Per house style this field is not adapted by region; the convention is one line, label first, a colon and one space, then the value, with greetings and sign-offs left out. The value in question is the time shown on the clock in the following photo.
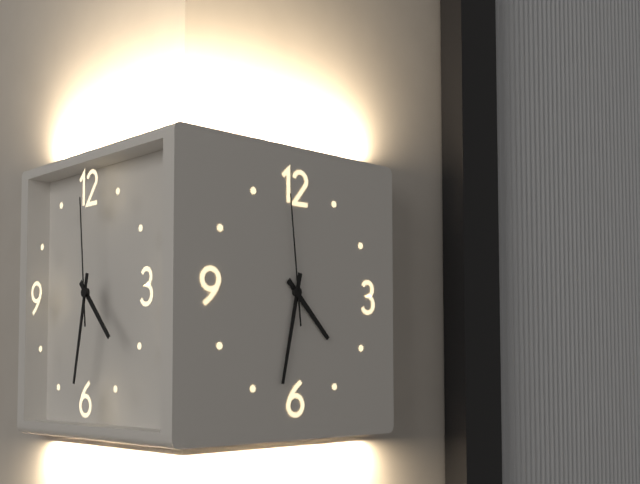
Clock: 4:32:59
